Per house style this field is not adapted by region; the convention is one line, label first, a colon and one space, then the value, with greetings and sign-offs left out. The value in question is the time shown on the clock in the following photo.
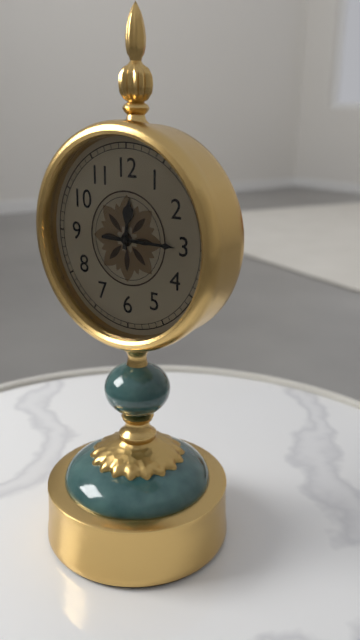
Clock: 12:15
